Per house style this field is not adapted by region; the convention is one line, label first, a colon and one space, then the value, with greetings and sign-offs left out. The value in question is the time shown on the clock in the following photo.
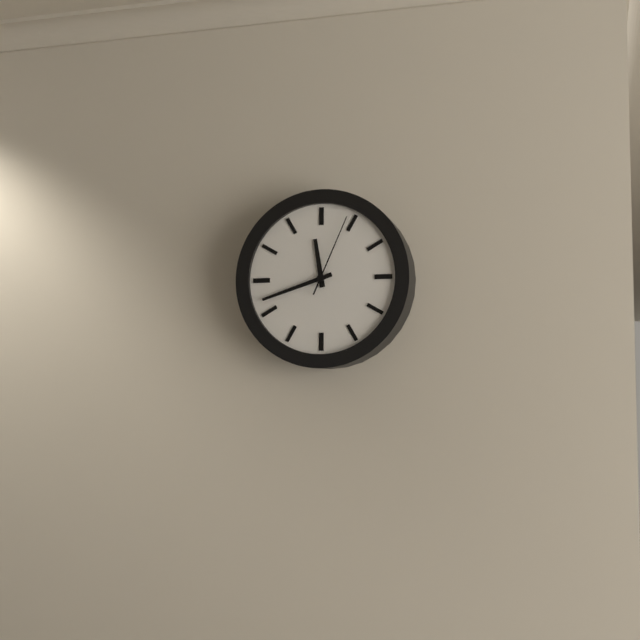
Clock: 11:42:04
